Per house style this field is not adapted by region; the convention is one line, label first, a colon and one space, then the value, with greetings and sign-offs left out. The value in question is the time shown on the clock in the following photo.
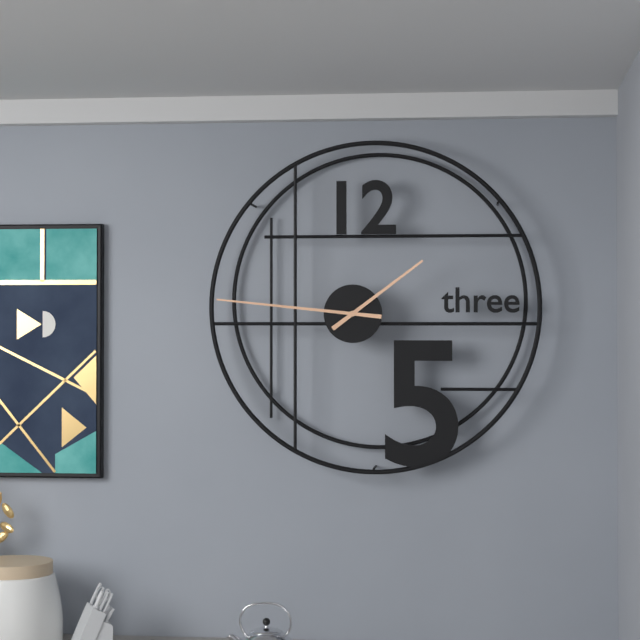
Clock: 1:46
